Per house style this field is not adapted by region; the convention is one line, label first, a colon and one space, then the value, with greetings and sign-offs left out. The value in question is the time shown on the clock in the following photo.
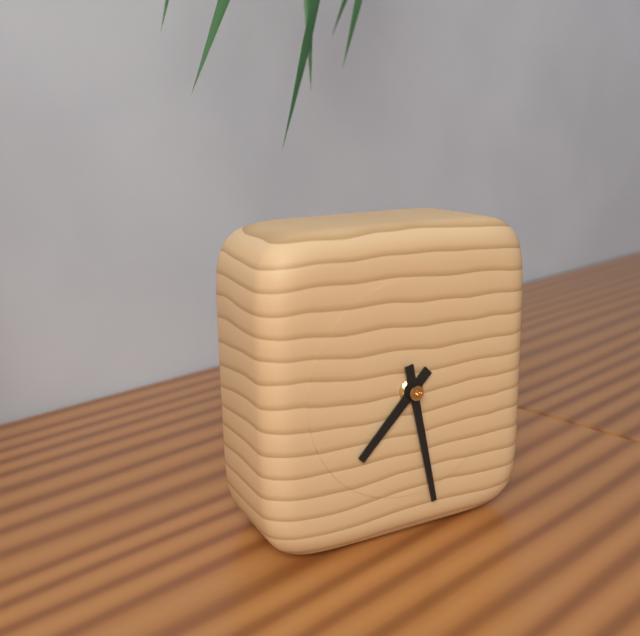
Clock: 7:28
